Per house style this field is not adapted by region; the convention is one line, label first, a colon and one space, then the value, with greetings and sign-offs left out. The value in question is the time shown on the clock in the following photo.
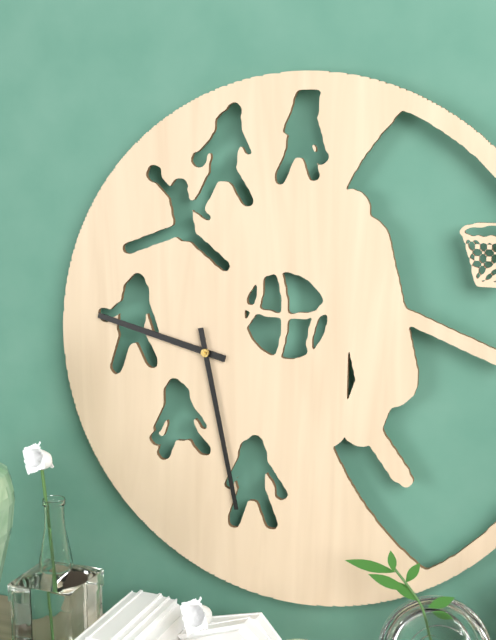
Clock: 9:28
